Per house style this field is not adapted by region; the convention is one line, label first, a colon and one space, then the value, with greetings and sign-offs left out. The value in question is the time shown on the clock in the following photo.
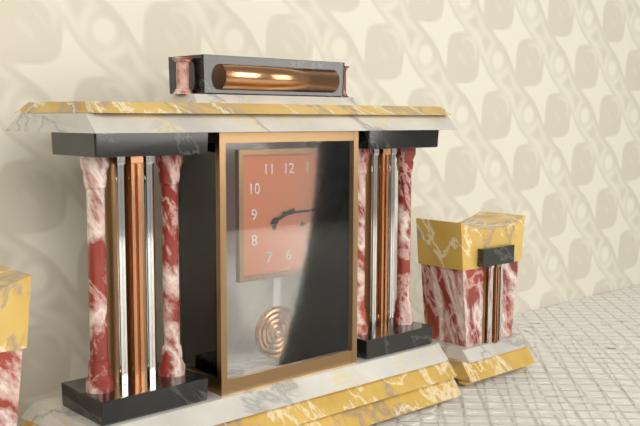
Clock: 8:15
